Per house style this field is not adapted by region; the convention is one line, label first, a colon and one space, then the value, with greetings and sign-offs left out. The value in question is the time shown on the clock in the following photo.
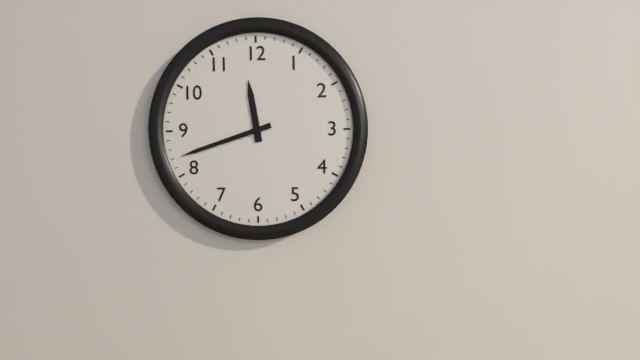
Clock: 11:42
